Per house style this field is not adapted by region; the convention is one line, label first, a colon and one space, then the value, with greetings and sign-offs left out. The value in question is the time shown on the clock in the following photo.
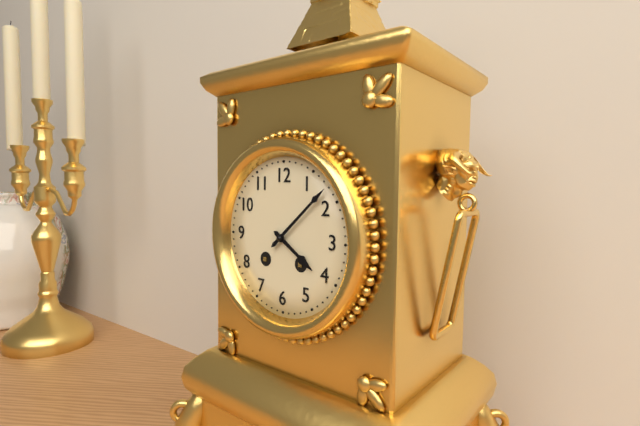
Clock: 4:08
